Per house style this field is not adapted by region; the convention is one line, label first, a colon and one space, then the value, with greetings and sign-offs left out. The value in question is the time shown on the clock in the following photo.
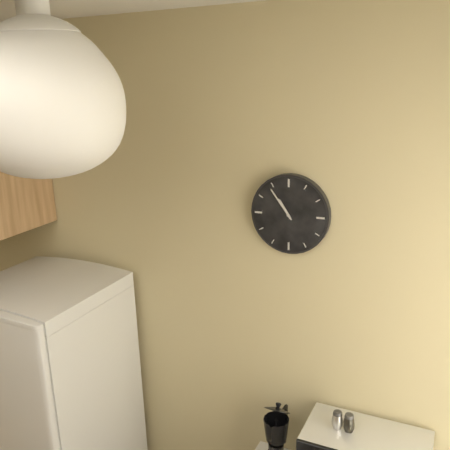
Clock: 10:54
